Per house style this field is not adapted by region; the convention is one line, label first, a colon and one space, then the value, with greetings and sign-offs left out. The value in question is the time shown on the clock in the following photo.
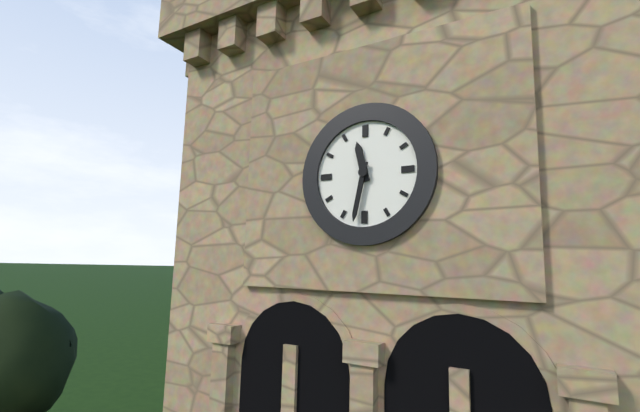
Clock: 11:32
